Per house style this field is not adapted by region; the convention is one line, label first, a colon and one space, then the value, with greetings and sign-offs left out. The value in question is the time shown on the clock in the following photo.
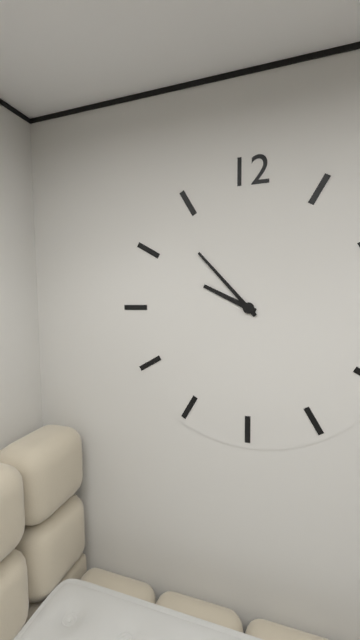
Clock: 9:53
